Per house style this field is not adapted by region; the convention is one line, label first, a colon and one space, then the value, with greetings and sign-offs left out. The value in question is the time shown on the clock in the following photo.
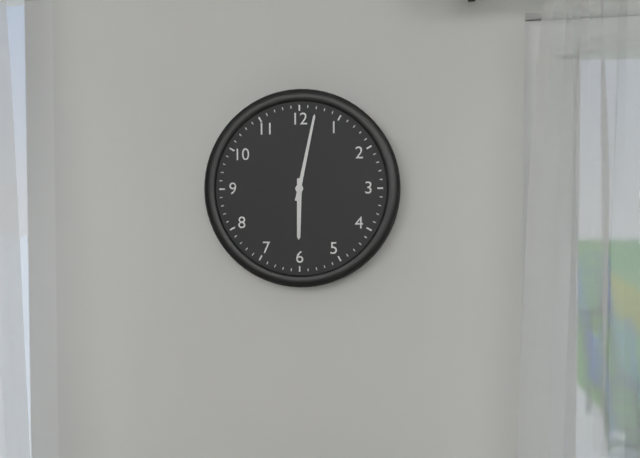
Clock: 6:02
